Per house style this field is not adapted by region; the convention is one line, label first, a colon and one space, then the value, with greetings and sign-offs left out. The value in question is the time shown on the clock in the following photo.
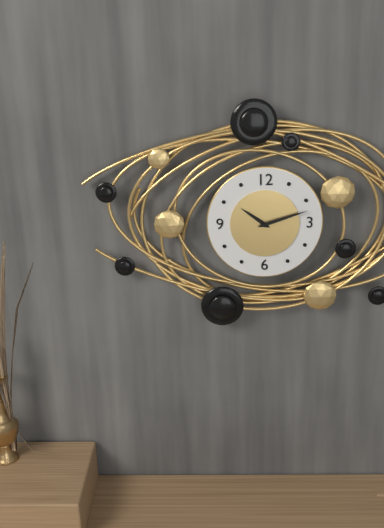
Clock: 10:12
